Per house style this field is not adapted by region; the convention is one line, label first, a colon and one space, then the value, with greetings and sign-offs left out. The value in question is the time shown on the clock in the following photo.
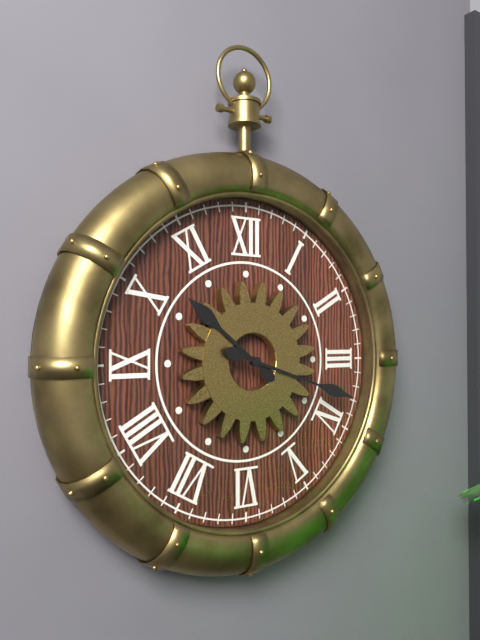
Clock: 10:18
